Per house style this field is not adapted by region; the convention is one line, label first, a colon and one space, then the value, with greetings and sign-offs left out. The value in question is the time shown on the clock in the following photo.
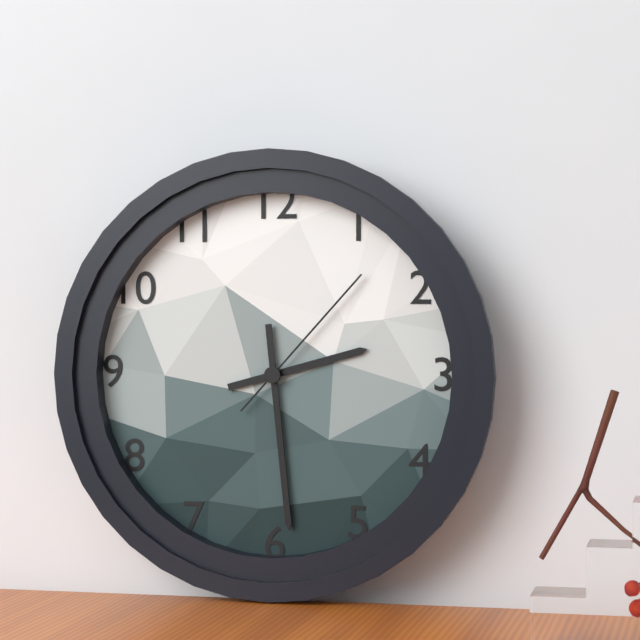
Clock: 2:29:07
